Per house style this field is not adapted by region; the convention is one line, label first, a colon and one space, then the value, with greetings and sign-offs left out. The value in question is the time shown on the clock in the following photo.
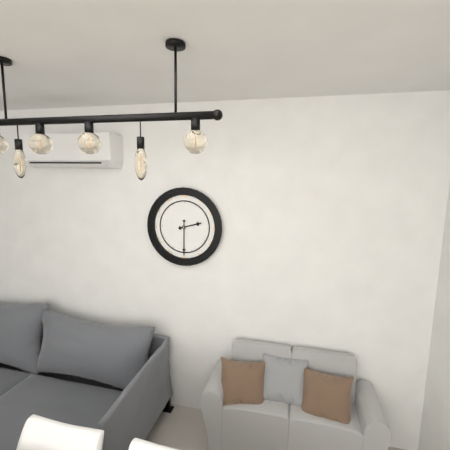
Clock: 2:30
